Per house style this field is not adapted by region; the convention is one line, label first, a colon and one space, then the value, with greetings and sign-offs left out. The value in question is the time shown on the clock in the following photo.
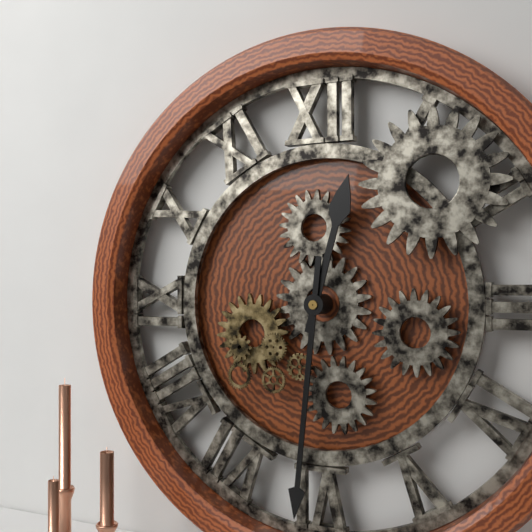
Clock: 12:31
